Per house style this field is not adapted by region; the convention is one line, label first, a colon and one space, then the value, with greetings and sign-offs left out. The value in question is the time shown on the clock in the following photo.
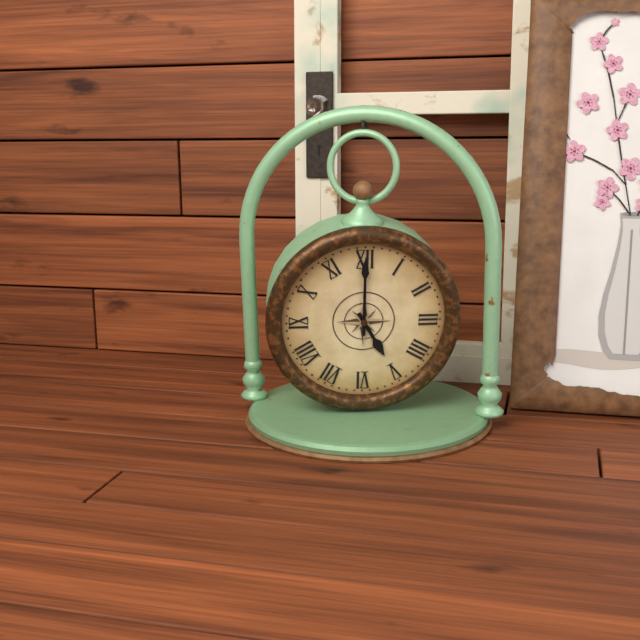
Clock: 5:00
